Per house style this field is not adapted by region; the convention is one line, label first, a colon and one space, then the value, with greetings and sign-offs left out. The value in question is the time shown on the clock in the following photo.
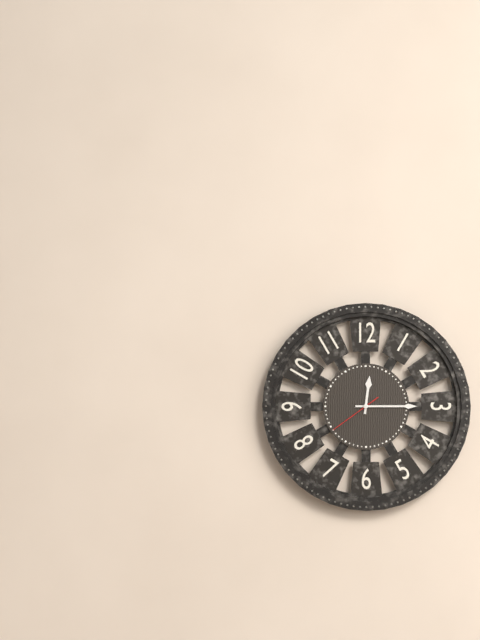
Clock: 12:15:39
